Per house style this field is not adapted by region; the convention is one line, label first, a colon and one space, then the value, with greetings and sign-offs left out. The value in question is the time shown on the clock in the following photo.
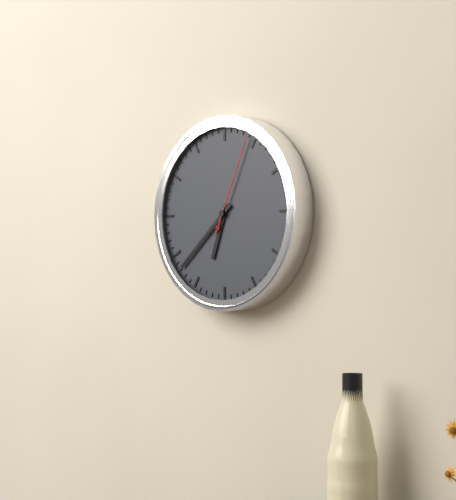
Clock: 6:38:04
